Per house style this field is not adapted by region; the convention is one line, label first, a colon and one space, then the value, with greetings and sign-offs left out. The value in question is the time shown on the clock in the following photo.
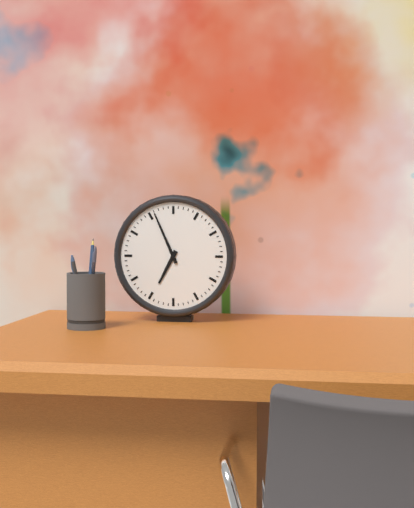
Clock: 6:56
